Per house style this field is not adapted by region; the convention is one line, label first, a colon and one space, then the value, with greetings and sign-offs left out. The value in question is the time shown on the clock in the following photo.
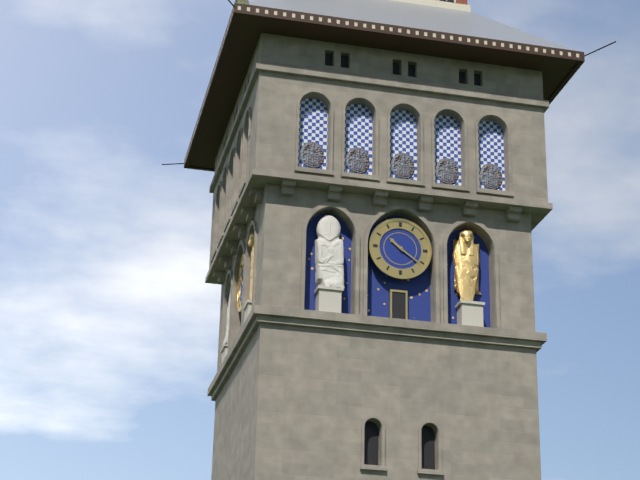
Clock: 10:21
